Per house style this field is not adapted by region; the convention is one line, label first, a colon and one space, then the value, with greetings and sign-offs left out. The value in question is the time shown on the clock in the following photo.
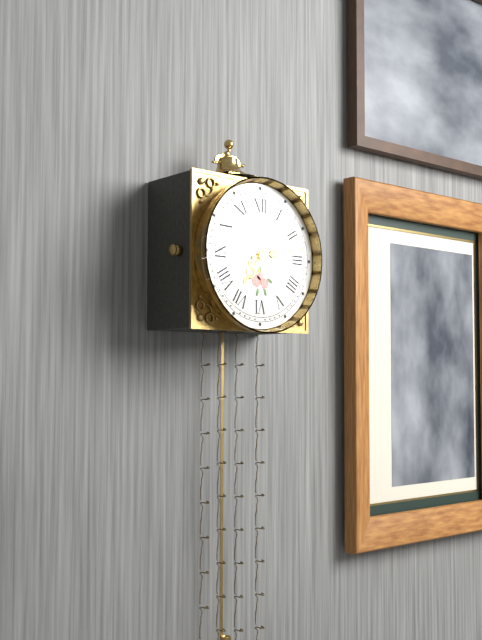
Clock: 7:13
